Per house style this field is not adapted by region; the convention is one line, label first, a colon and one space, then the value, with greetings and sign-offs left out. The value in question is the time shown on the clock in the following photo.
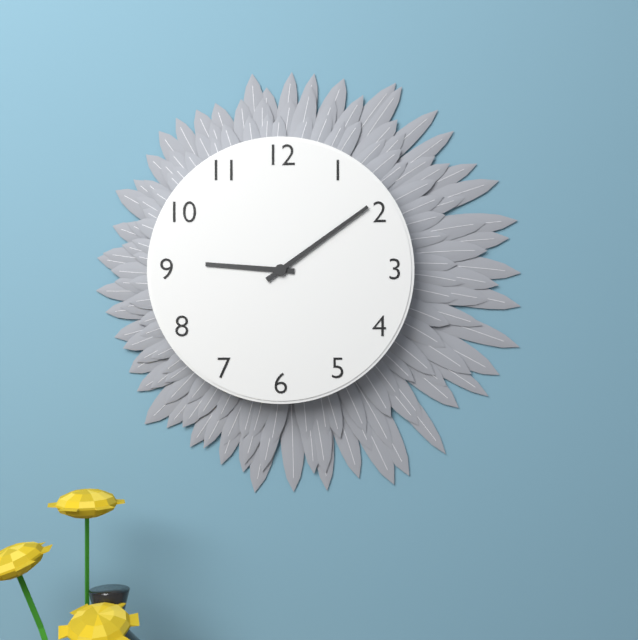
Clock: 9:09
